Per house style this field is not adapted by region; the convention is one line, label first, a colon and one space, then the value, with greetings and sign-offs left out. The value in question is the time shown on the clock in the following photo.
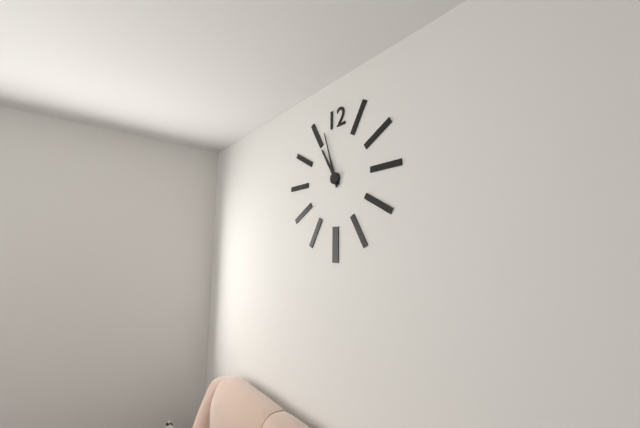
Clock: 10:57
